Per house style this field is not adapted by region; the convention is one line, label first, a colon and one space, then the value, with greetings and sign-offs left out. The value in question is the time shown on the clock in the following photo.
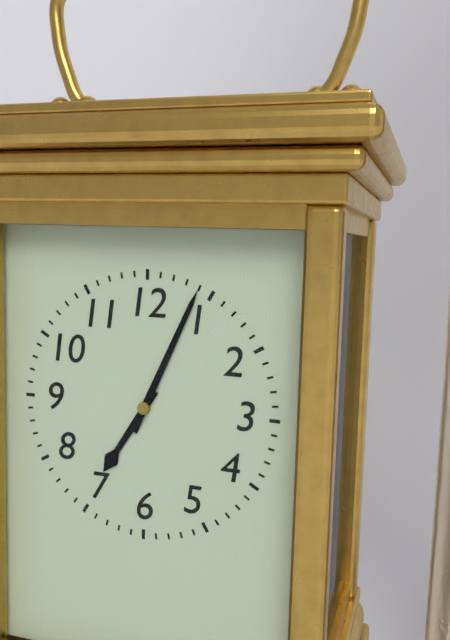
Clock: 7:04
